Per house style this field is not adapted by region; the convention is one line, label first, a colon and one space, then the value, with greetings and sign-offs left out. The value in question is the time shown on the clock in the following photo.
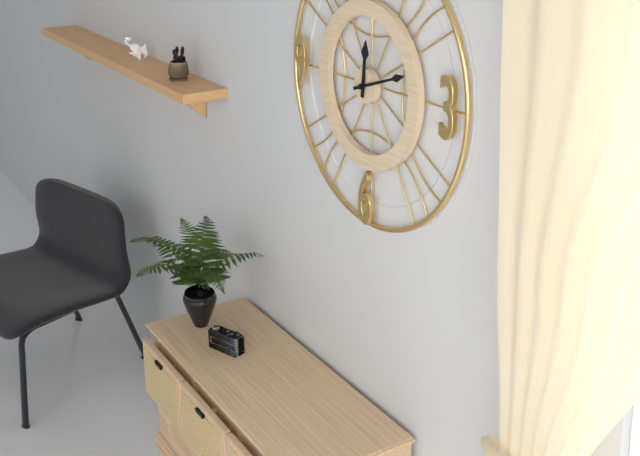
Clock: 12:12
